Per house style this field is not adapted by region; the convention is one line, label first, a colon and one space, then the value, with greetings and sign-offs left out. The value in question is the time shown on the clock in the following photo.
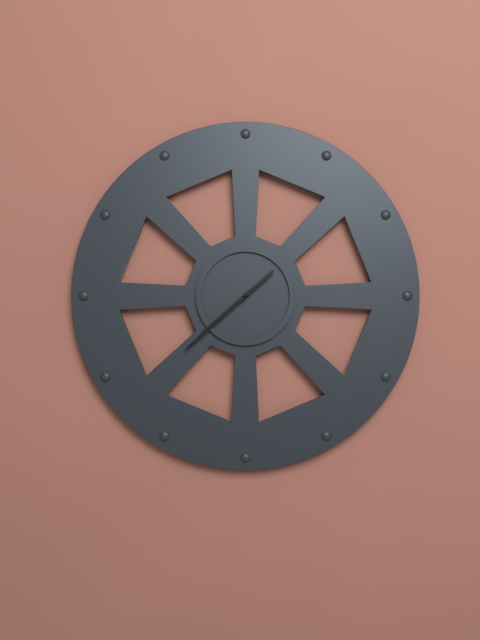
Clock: 7:38
